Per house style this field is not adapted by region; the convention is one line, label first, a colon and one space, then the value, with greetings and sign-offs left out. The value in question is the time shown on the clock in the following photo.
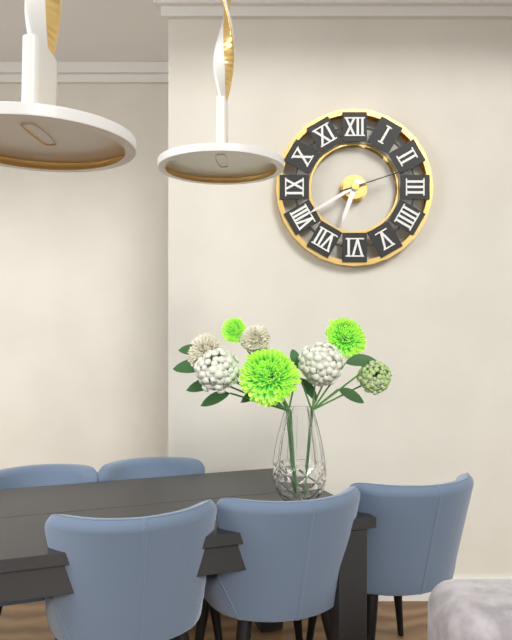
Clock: 6:40:12
